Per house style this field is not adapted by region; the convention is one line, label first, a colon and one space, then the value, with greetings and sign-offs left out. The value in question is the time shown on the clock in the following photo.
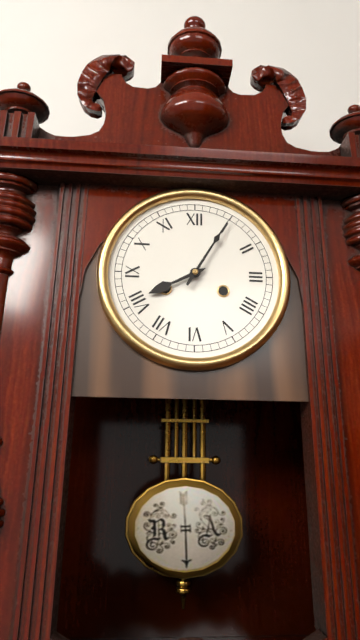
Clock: 8:05
